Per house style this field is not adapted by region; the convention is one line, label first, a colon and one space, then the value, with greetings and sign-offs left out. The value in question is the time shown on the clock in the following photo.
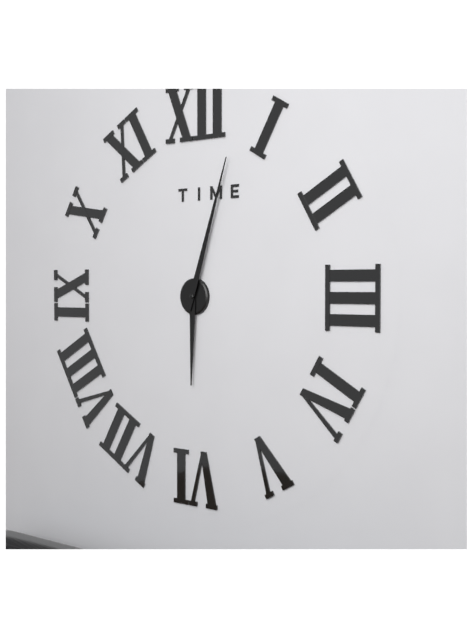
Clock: 6:03
